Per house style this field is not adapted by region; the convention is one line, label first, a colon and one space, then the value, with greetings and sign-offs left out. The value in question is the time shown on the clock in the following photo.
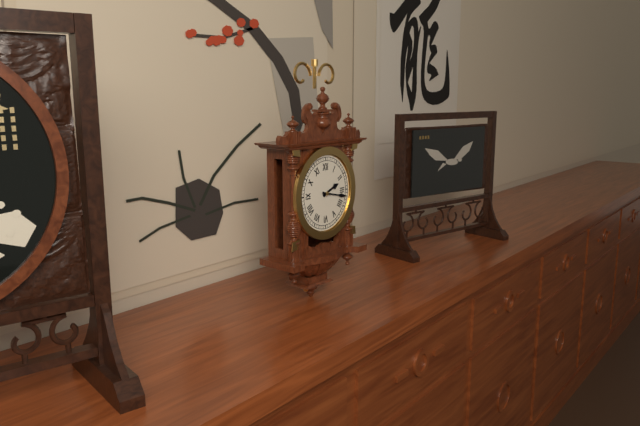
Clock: 2:17
